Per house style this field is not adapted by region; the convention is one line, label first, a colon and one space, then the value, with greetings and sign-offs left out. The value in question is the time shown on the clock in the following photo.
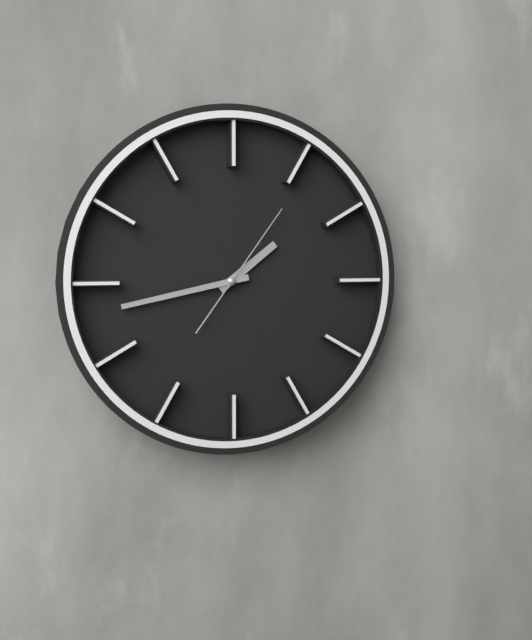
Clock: 1:43:06
